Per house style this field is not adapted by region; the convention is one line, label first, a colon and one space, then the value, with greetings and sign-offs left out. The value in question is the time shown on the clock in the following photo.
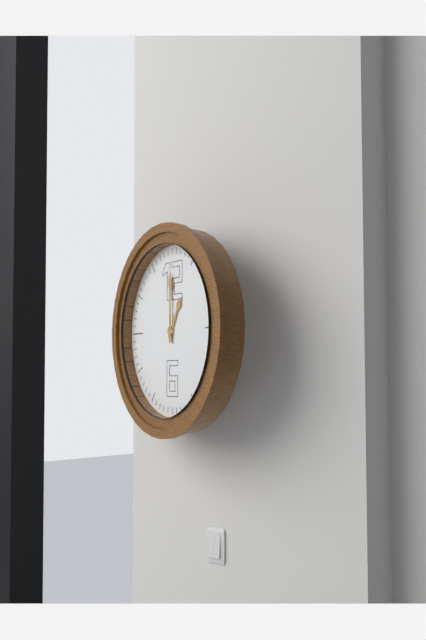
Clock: 1:00
